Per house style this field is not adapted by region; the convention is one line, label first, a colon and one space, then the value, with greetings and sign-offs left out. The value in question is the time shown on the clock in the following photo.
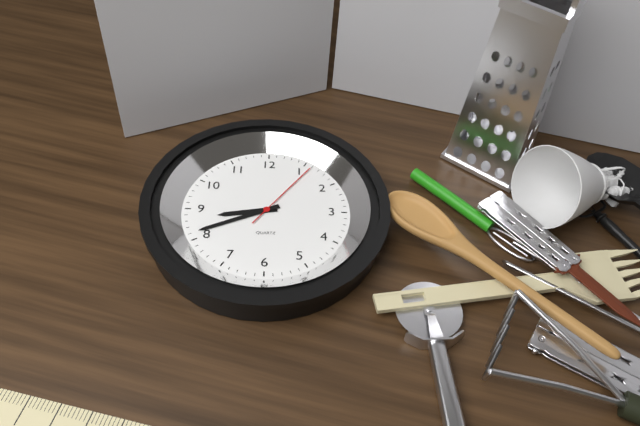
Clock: 8:41:06
